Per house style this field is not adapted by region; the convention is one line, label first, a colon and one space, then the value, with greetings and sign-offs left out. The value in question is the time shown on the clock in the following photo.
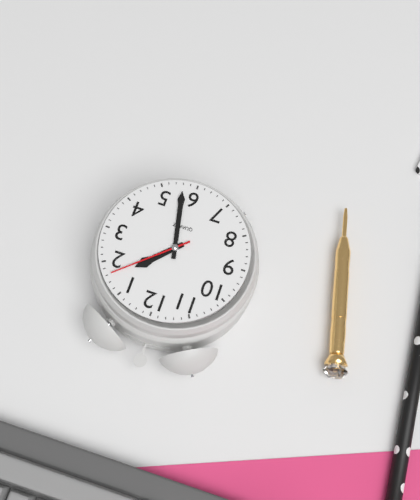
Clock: 1:28:08
